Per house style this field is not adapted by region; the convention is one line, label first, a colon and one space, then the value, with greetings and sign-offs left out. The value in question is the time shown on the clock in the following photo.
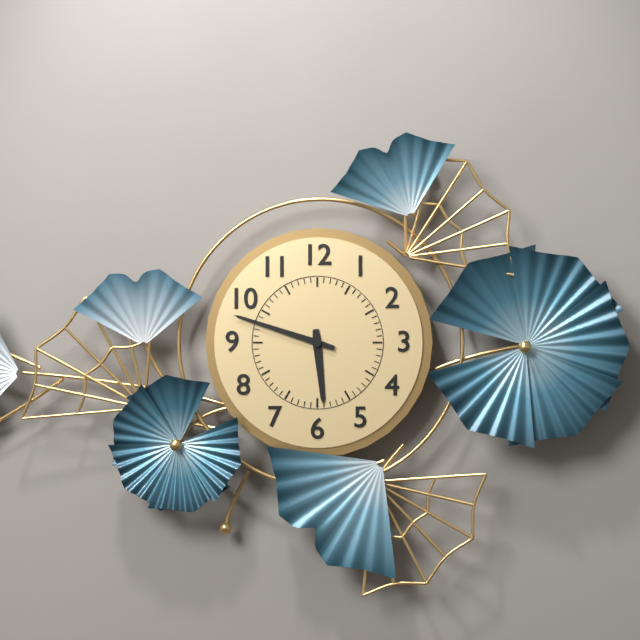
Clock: 5:48
